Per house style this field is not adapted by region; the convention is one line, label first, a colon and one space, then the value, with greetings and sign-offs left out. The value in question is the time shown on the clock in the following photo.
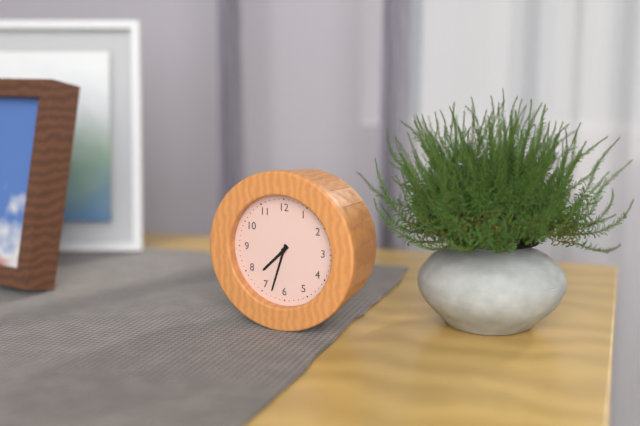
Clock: 7:33
